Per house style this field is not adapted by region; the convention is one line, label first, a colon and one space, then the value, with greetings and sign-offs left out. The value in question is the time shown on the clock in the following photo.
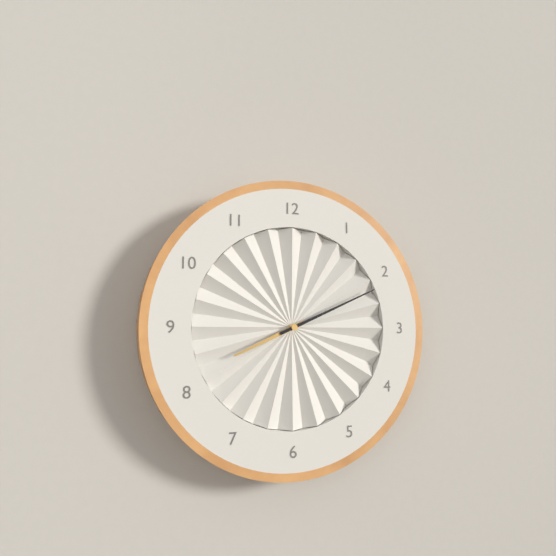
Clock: 8:11
